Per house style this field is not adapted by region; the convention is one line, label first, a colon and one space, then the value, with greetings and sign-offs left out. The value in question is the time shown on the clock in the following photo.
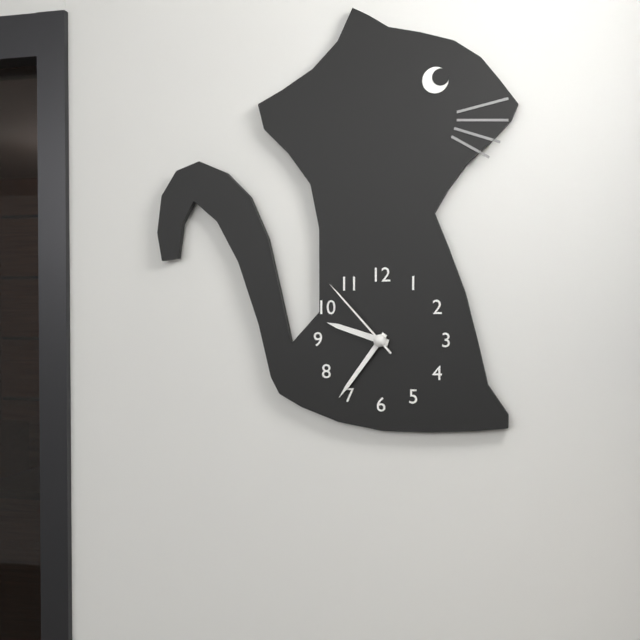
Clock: 9:36:53
